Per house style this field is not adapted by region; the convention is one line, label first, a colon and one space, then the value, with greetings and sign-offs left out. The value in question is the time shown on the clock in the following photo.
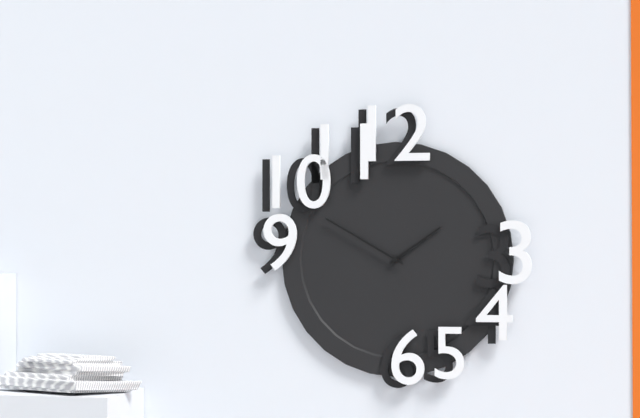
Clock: 1:50
